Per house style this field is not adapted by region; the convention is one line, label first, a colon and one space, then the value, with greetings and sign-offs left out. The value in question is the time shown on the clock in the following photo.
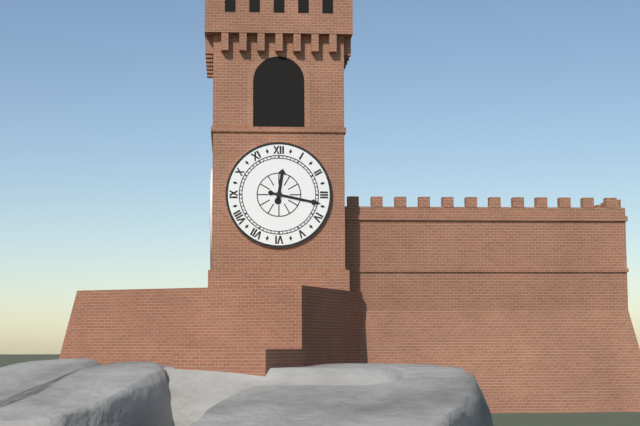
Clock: 12:17
